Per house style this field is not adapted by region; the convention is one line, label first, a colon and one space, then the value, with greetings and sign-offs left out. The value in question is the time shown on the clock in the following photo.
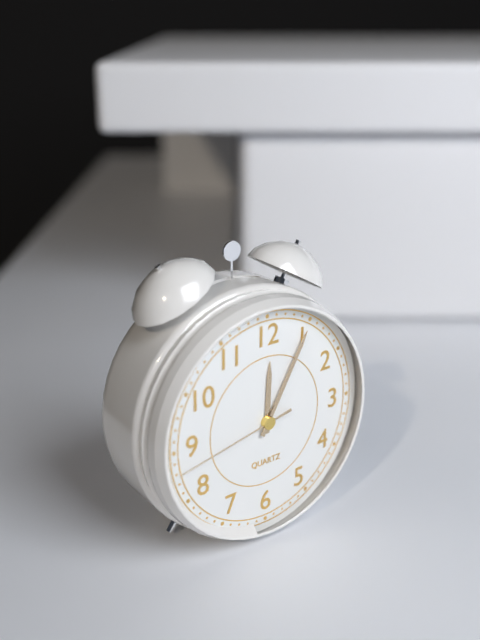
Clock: 12:05:43
